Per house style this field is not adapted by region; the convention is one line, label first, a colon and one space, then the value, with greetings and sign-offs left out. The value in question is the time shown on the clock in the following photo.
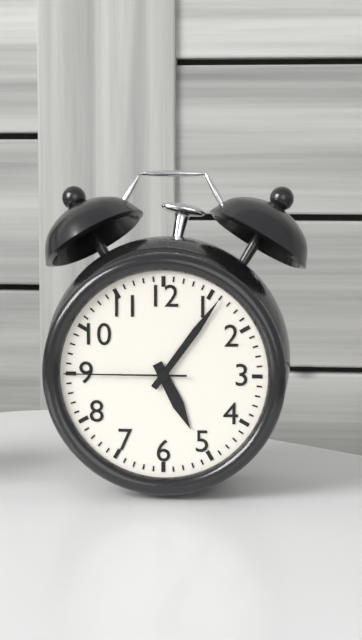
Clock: 5:06:45
